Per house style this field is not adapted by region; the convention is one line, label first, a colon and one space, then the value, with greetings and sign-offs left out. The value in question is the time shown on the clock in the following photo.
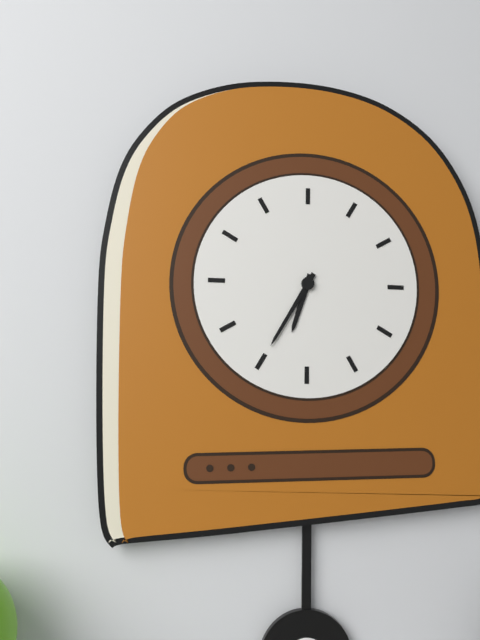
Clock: 6:35
